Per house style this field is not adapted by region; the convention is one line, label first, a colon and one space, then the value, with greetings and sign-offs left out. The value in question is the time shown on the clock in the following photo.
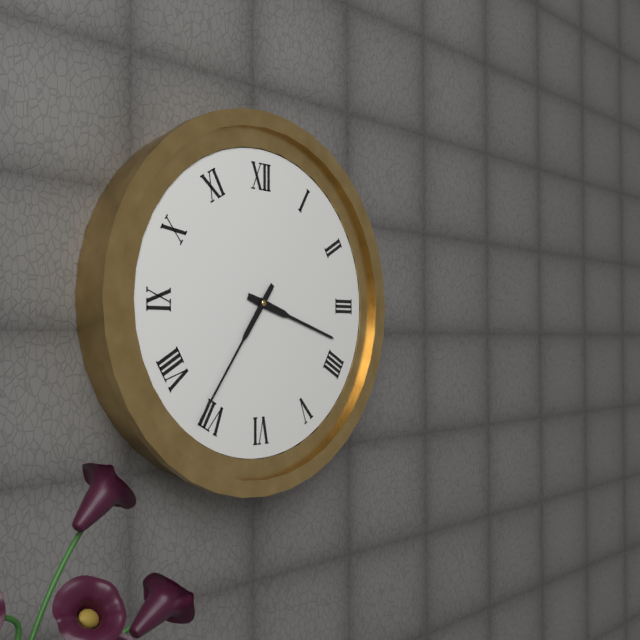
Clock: 3:36
